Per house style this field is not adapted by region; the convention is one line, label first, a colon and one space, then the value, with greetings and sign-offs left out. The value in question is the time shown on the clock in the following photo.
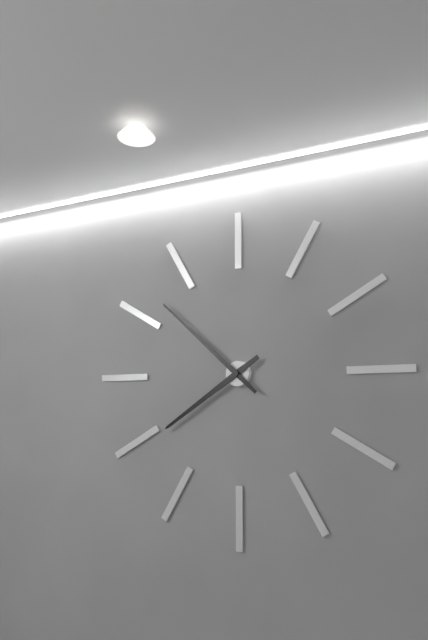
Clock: 7:52
